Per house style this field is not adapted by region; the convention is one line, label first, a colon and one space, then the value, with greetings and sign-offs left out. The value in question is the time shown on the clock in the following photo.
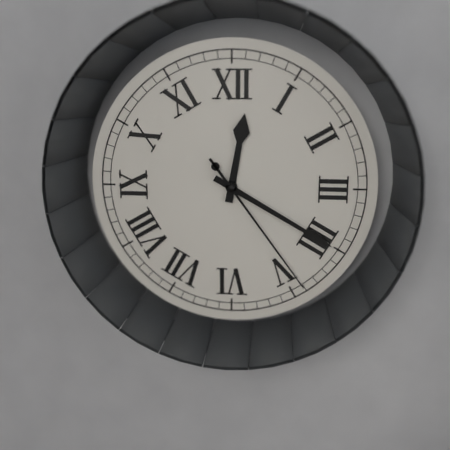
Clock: 12:20:24
